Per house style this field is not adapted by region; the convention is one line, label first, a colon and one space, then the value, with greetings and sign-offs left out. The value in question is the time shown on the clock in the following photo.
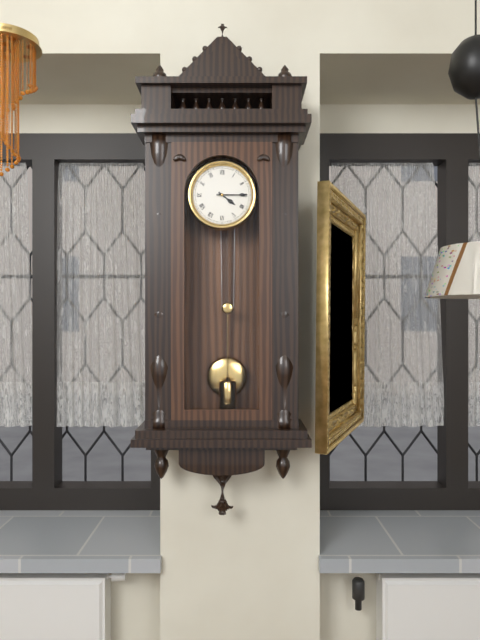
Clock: 4:15
